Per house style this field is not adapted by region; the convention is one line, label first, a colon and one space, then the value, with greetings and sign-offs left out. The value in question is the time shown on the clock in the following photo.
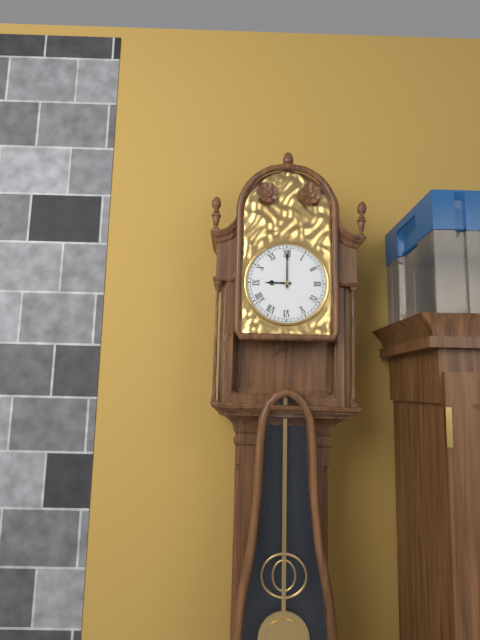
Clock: 9:00
